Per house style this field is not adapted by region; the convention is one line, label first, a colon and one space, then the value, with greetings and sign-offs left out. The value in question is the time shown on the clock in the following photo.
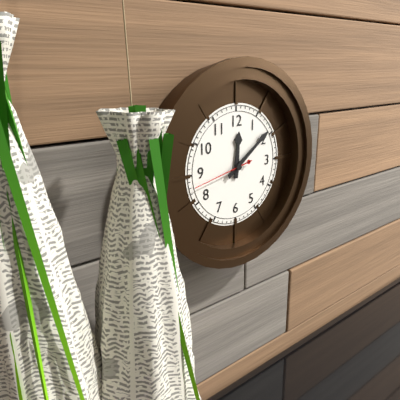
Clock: 12:09:43
